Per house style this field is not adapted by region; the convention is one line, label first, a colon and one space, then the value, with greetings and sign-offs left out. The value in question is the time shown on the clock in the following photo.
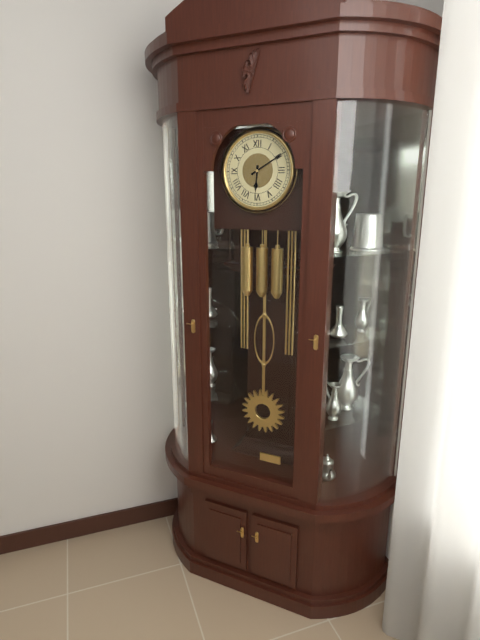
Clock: 6:10
